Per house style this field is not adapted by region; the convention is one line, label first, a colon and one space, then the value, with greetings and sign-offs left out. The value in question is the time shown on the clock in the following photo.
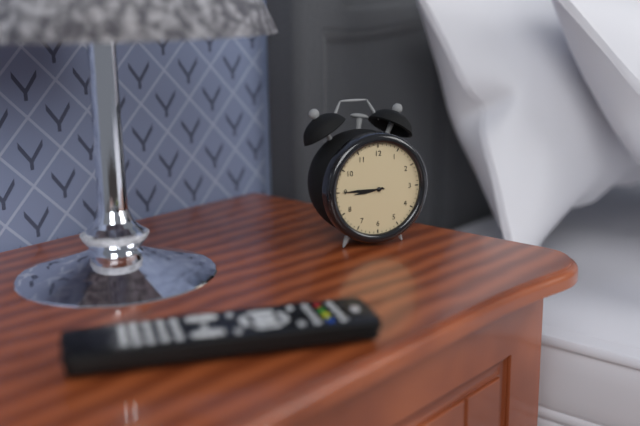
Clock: 8:45
